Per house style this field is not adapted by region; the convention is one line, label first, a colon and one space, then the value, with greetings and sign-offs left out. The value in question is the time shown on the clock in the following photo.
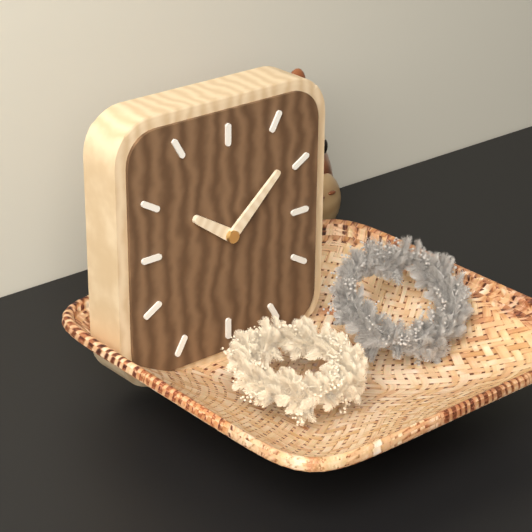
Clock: 10:08
